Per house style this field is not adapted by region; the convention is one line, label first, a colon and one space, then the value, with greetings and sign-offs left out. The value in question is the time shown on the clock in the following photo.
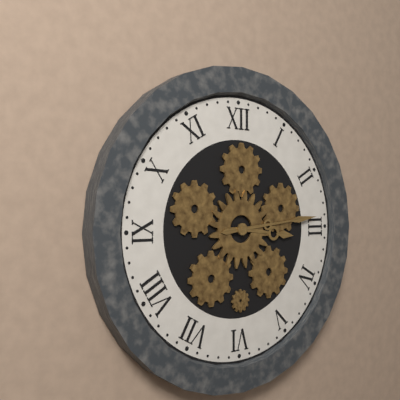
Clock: 3:14
